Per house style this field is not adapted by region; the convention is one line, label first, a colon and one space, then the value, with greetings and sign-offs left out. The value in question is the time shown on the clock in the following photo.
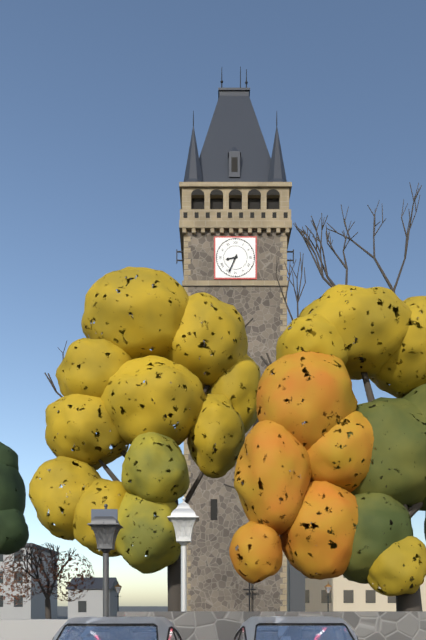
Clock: 8:34
